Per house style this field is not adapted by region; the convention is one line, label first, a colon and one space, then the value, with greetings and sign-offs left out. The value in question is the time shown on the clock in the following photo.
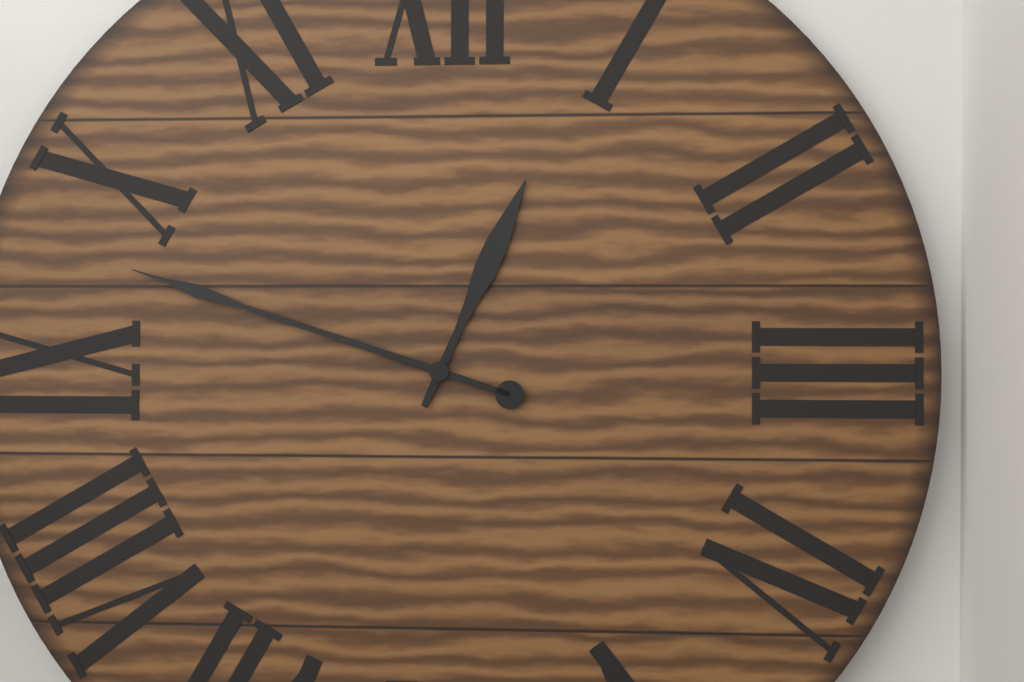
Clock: 12:48
